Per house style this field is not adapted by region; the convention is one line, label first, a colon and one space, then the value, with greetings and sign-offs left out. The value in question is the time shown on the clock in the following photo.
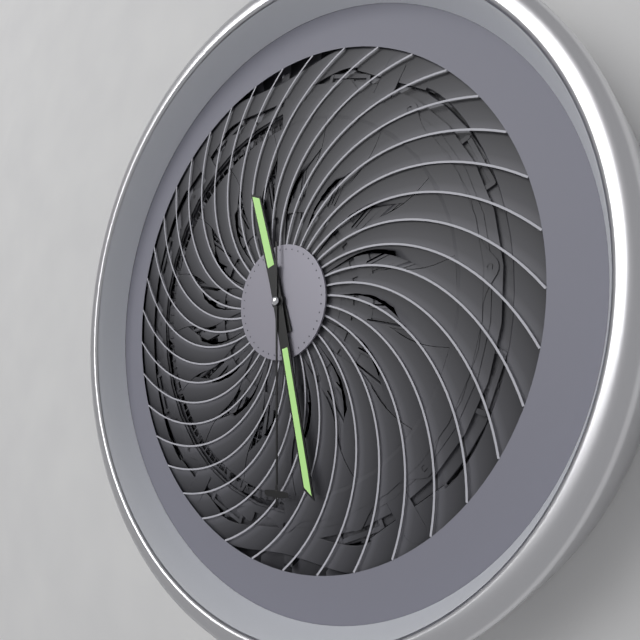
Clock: 11:28:30
